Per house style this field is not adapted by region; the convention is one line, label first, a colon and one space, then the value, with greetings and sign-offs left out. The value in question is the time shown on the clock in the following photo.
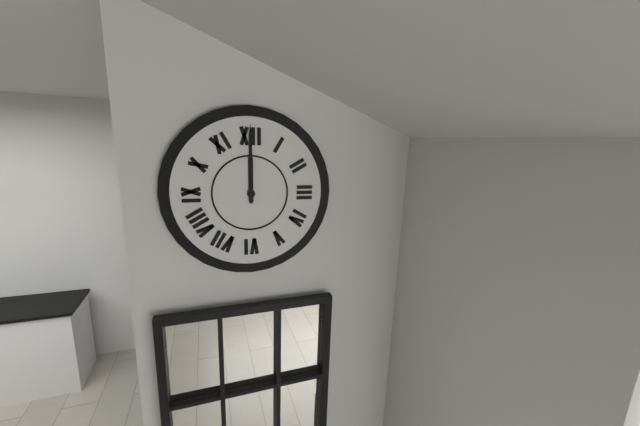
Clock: 12:00
